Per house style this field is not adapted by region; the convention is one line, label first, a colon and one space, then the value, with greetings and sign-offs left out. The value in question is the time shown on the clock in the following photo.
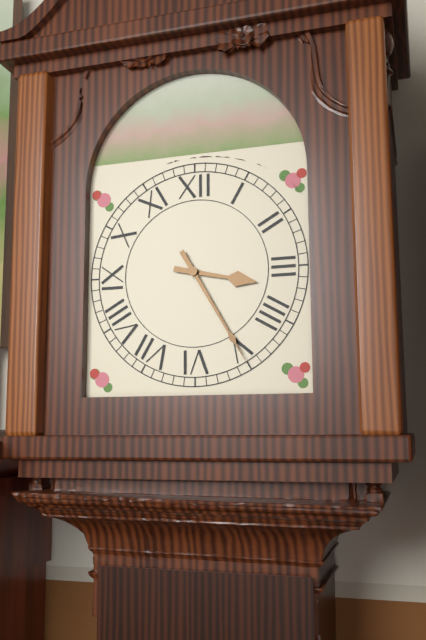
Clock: 3:25
